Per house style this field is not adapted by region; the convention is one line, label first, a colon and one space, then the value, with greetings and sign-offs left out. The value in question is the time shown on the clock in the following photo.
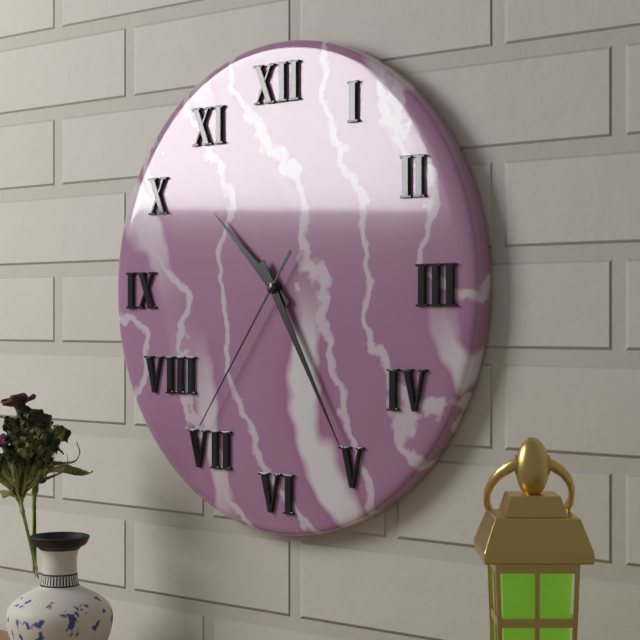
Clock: 10:25:36
